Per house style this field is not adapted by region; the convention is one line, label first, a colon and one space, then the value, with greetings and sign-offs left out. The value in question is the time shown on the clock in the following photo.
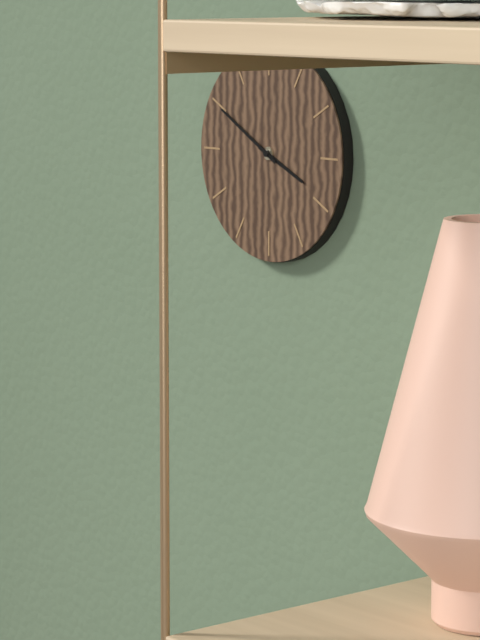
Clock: 3:50
